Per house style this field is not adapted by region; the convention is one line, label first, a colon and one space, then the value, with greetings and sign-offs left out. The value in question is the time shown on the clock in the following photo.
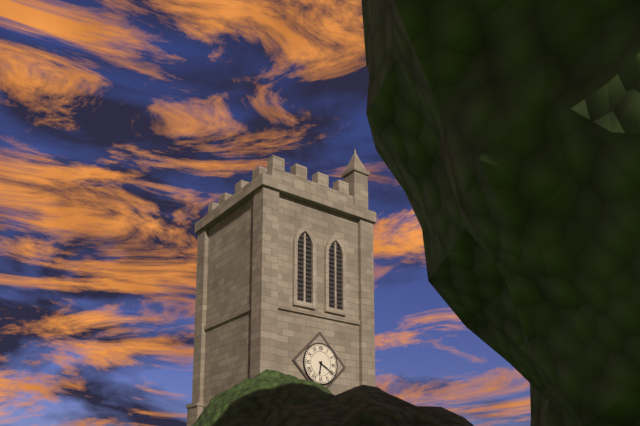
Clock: 6:20
